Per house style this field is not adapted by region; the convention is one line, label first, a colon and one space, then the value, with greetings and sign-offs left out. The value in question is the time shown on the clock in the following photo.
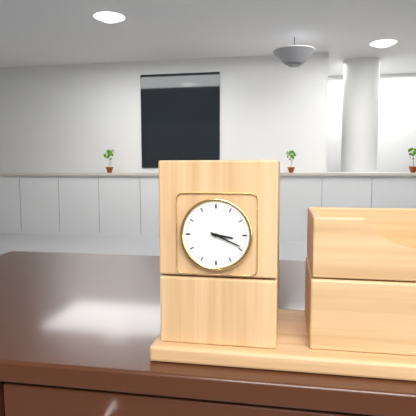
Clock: 3:19
